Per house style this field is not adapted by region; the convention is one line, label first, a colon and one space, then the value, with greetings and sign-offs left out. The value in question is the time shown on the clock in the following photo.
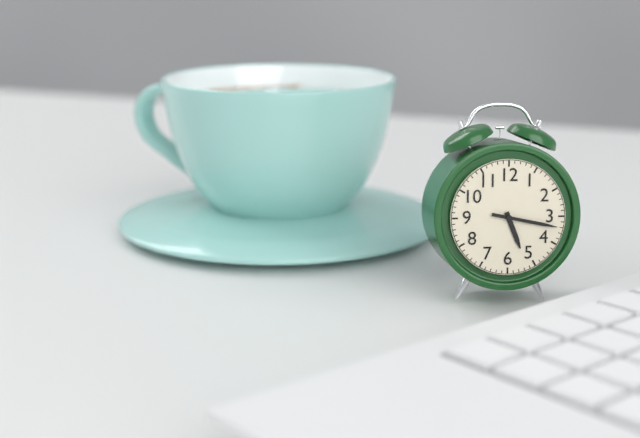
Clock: 5:17
